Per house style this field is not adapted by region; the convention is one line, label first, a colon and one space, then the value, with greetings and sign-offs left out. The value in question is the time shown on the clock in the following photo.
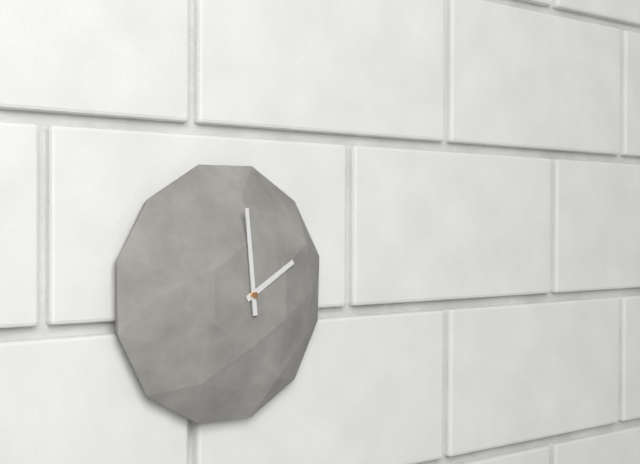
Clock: 1:59
